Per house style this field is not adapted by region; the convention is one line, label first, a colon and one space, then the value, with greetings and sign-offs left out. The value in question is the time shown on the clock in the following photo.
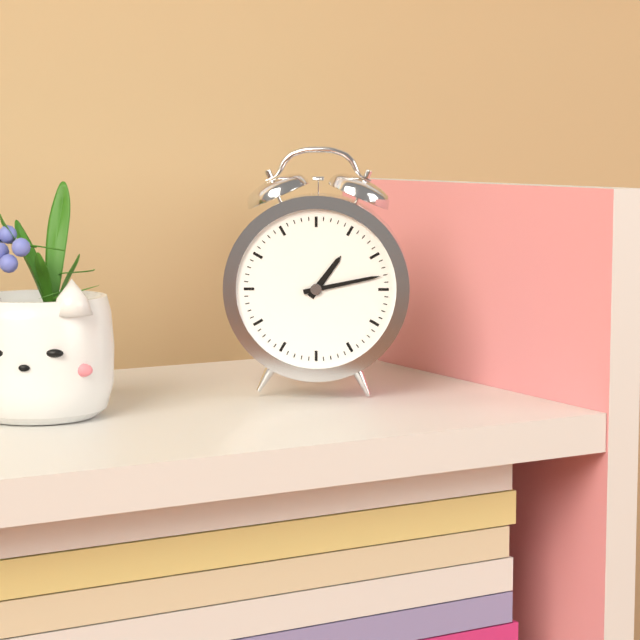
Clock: 1:13
